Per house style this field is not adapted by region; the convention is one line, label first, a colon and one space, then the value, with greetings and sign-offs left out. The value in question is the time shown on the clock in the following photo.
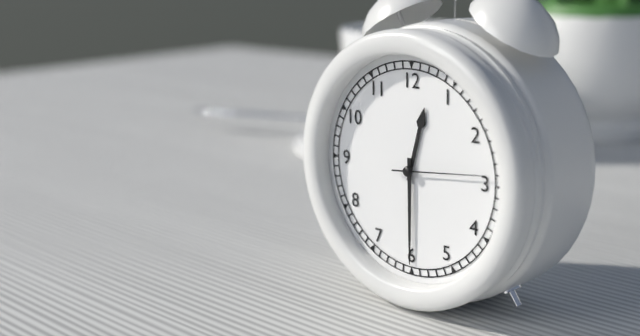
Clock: 12:30:14
